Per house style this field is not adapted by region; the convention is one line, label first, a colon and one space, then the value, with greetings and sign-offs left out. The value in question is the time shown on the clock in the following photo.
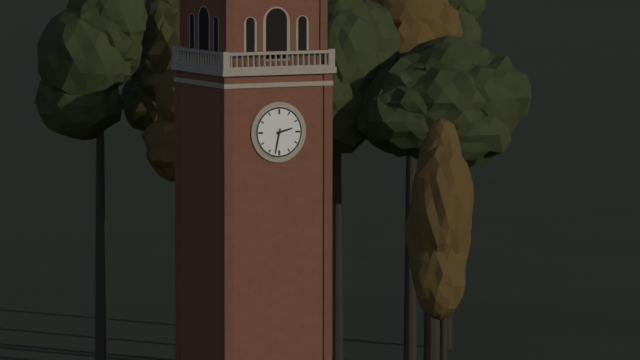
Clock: 2:32
